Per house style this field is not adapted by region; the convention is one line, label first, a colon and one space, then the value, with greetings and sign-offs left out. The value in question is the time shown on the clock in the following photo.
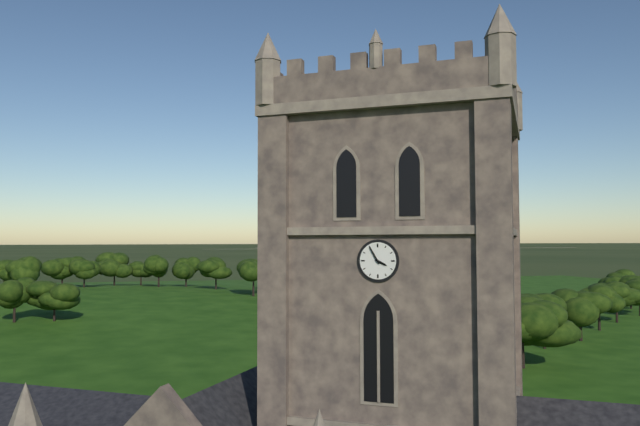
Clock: 3:55
